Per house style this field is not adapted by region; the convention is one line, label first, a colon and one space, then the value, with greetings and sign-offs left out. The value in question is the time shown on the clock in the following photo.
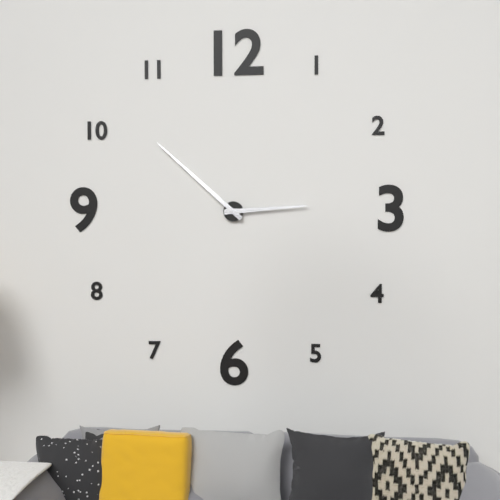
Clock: 2:52
